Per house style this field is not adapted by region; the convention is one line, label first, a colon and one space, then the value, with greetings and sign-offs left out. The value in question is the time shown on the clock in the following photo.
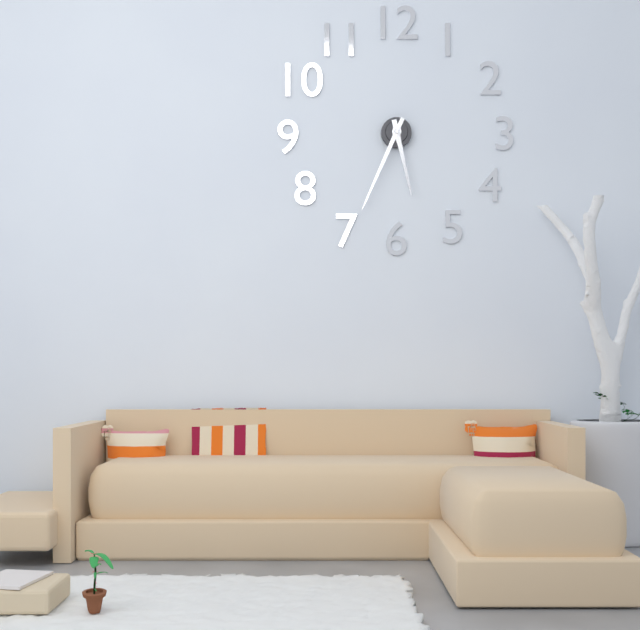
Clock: 5:34
